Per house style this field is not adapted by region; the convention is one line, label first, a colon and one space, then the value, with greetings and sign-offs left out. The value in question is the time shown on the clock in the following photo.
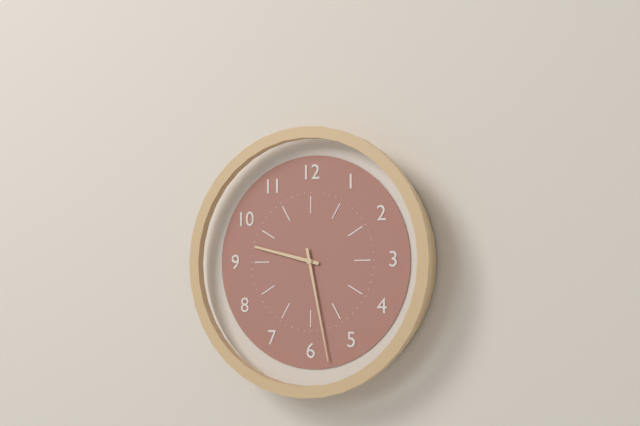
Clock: 9:28
